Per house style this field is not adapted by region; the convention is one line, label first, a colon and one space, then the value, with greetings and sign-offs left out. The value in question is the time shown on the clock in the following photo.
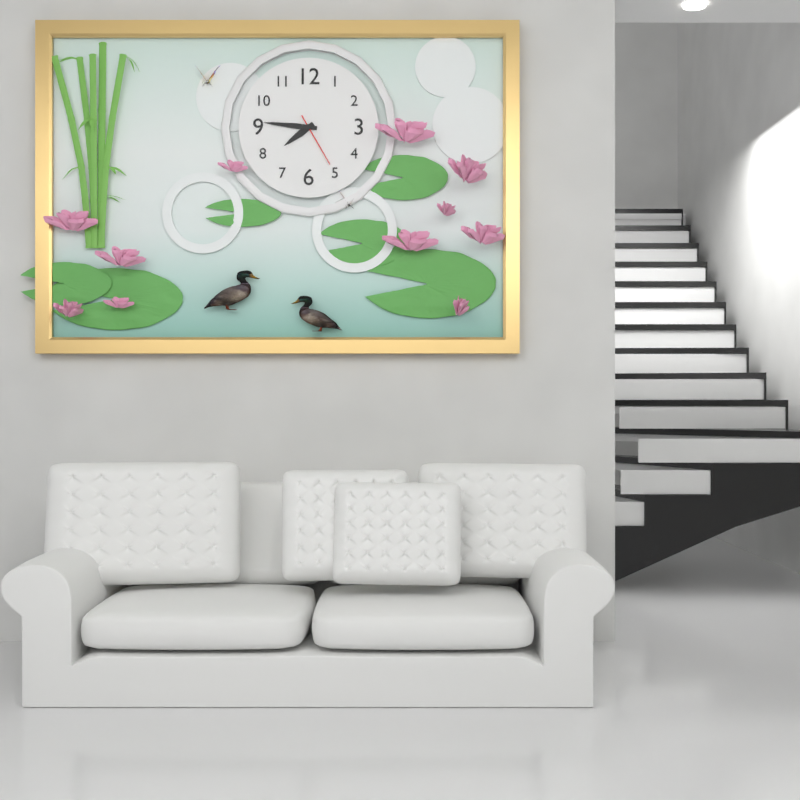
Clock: 7:46:25
